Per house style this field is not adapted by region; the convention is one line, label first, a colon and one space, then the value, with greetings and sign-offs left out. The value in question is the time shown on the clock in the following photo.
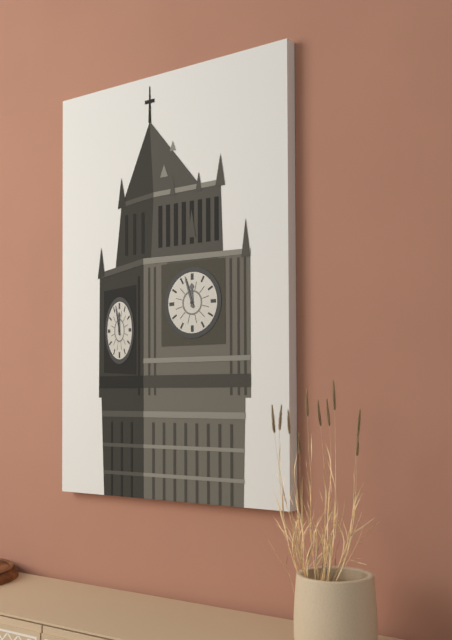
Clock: 11:57
